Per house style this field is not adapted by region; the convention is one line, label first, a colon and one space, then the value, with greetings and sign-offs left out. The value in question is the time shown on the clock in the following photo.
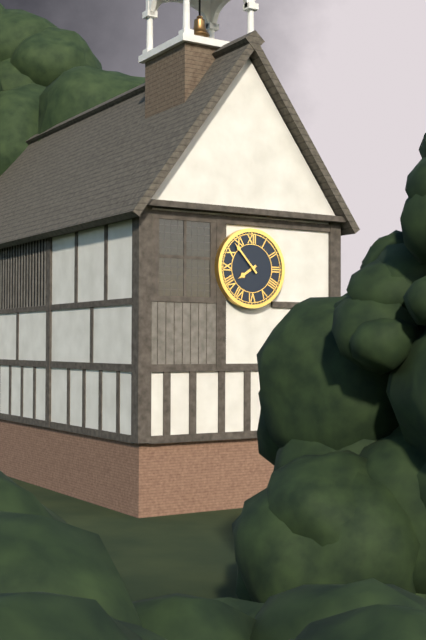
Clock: 7:53
